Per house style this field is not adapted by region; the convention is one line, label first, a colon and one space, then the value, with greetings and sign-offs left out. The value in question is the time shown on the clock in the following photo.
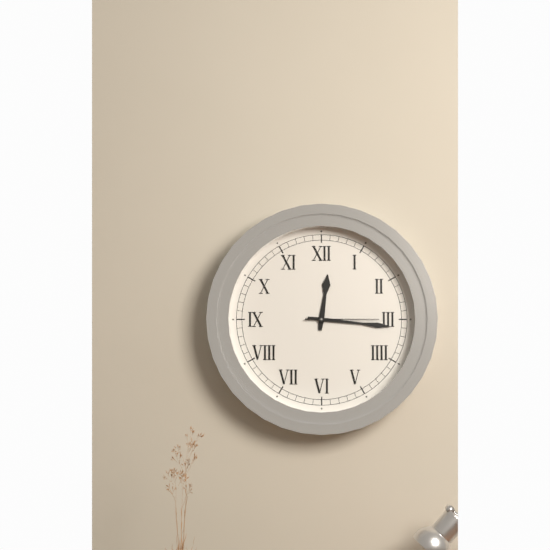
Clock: 12:16:15
